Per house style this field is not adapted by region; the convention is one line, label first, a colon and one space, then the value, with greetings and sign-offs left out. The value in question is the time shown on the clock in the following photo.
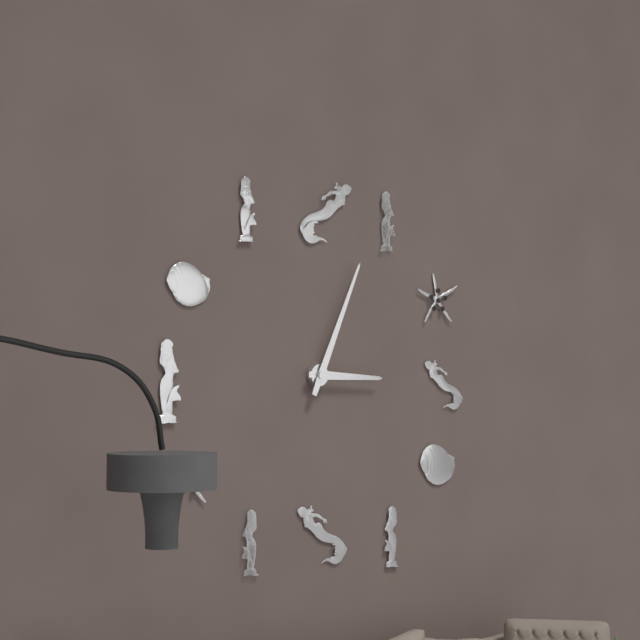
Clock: 3:04
